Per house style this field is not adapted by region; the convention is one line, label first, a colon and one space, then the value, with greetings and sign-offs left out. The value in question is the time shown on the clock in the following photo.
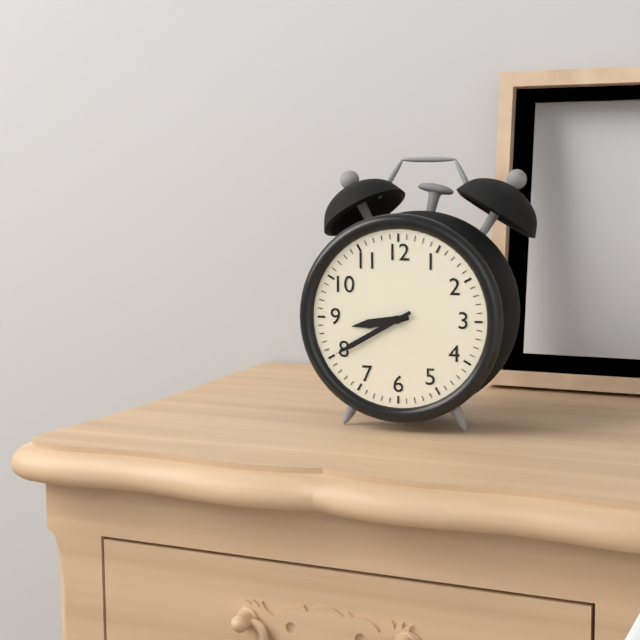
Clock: 8:40
